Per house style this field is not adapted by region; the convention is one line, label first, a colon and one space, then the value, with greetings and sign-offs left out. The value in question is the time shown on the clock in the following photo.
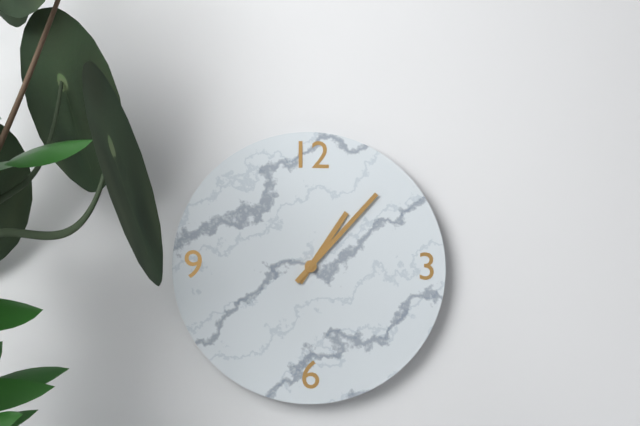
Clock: 1:07
